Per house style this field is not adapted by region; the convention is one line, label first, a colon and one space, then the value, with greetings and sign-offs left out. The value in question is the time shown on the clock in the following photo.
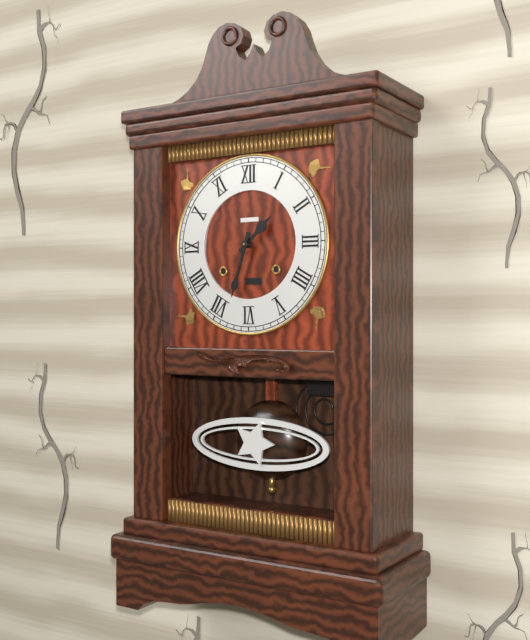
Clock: 1:33
